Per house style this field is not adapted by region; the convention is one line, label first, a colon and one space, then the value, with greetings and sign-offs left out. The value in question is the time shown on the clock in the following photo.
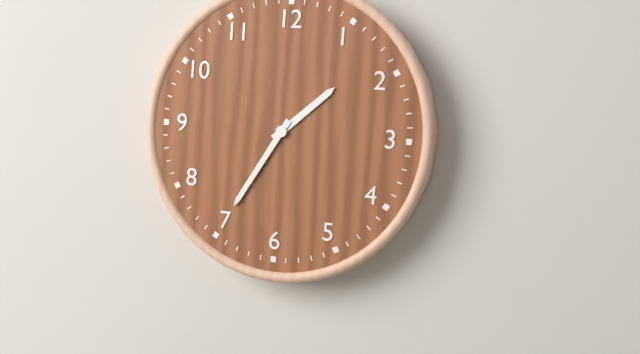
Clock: 1:35
